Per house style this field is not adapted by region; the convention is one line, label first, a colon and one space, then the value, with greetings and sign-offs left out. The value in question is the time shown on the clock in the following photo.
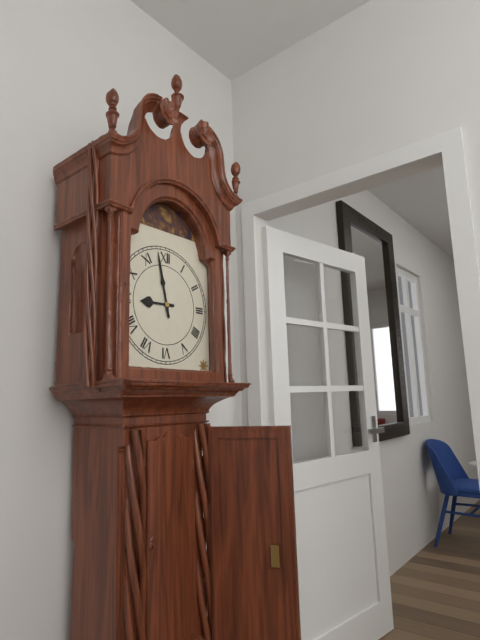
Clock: 8:58
